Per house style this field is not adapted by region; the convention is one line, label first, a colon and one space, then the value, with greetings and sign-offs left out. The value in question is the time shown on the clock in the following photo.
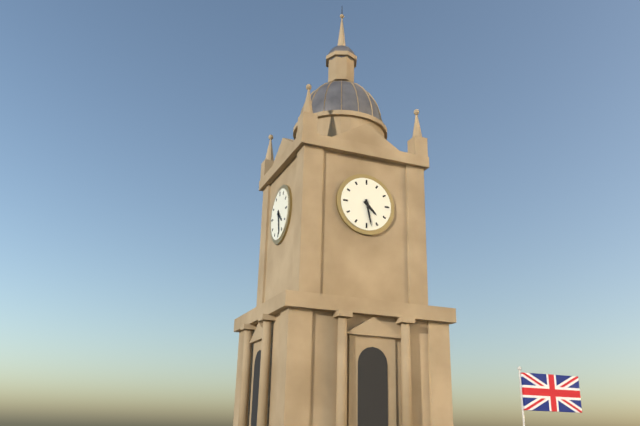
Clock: 4:28
